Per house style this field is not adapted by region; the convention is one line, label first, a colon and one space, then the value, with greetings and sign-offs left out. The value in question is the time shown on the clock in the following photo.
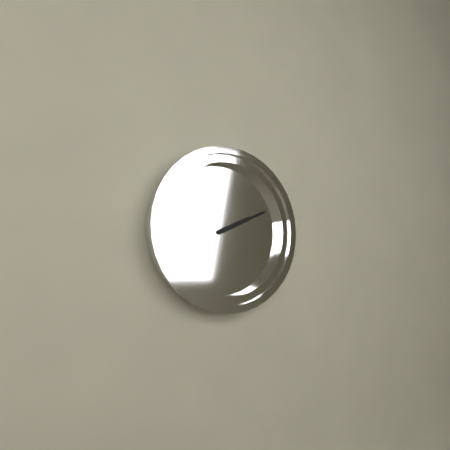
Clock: 2:11
